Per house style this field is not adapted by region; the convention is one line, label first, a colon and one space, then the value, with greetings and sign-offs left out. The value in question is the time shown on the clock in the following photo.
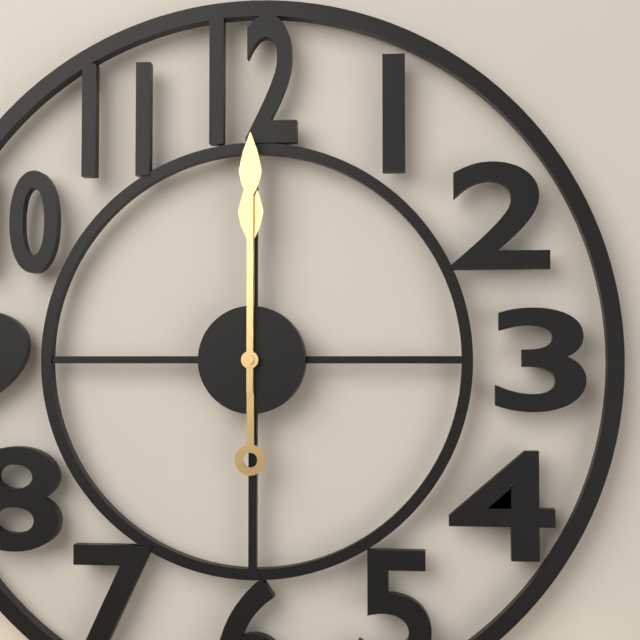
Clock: 12:00
